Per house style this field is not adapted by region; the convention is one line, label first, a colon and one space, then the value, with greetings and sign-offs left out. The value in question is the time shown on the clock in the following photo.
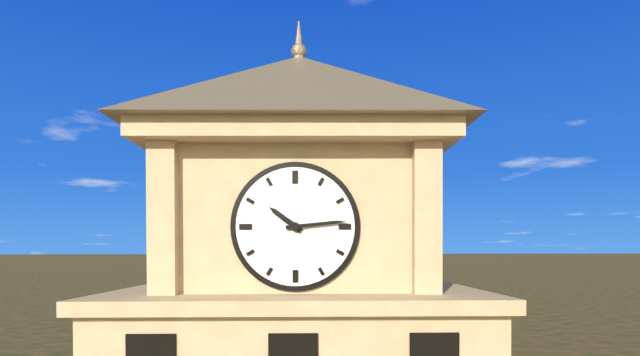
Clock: 10:14
